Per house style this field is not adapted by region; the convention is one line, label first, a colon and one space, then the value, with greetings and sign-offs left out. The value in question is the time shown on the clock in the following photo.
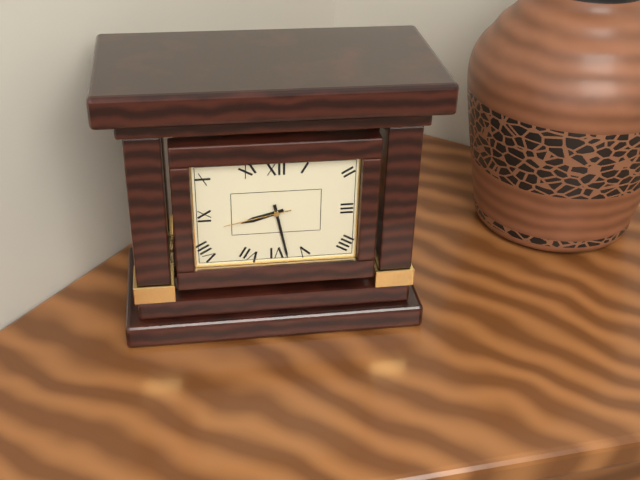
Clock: 8:28:43
